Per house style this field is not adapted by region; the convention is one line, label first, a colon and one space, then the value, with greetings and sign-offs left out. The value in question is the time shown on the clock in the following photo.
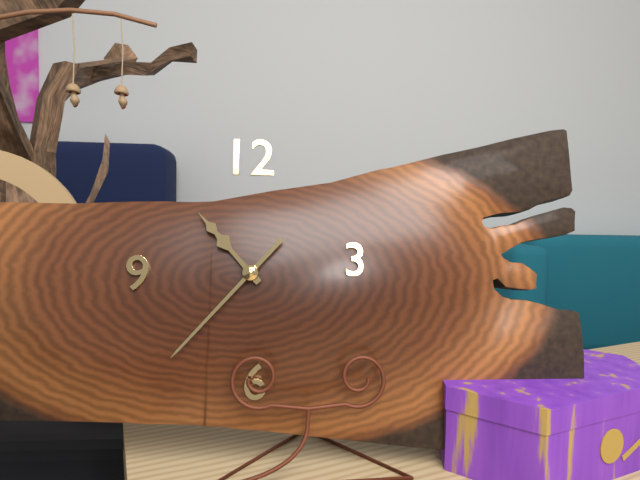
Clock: 10:37
